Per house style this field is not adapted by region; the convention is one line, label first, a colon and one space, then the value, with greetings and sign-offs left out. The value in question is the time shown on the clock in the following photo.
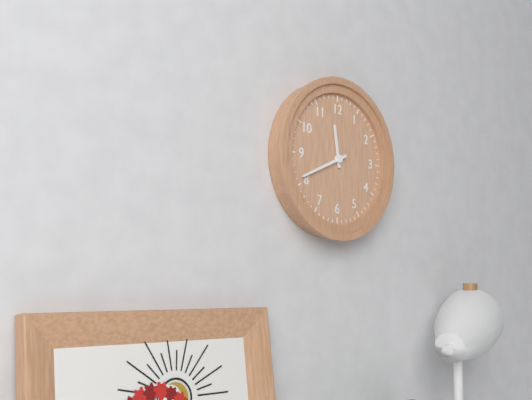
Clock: 11:41
